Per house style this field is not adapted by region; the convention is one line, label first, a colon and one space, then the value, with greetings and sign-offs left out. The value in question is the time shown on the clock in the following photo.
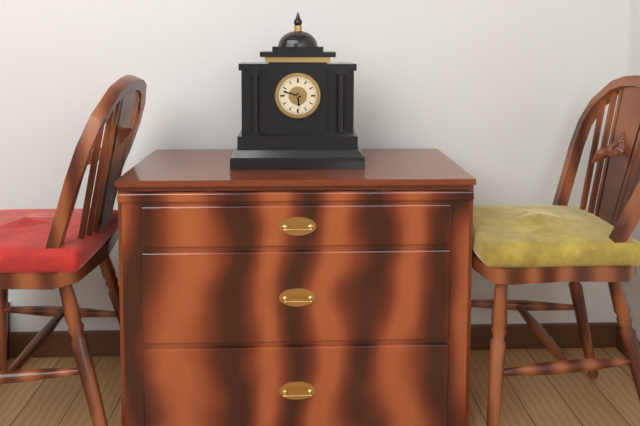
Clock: 5:48
